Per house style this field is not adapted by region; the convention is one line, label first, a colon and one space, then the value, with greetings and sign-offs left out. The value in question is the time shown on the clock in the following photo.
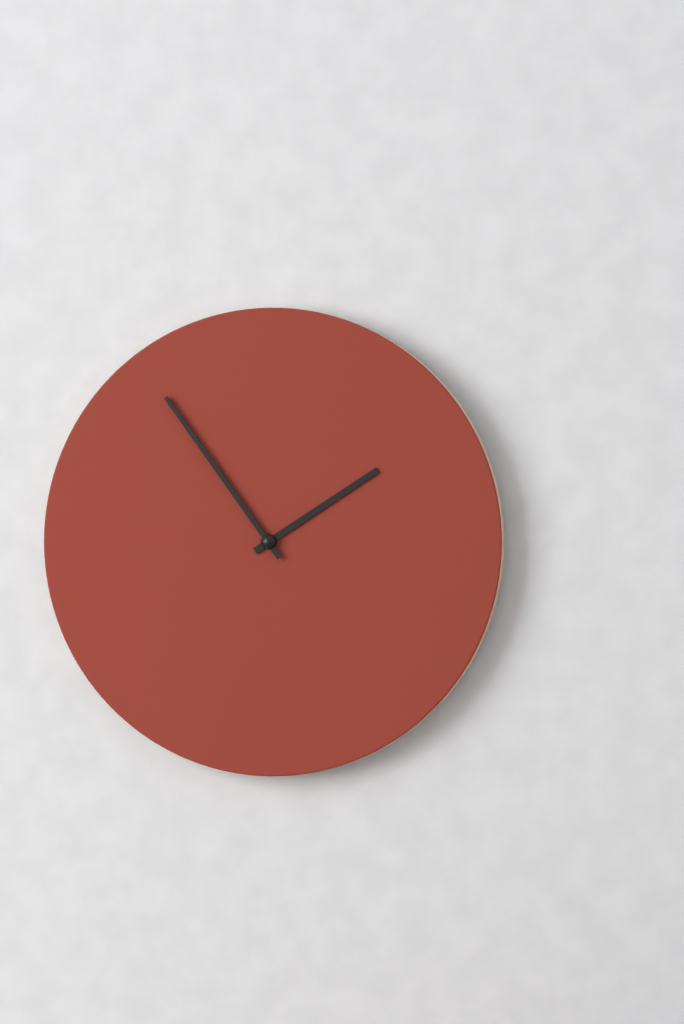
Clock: 1:54
